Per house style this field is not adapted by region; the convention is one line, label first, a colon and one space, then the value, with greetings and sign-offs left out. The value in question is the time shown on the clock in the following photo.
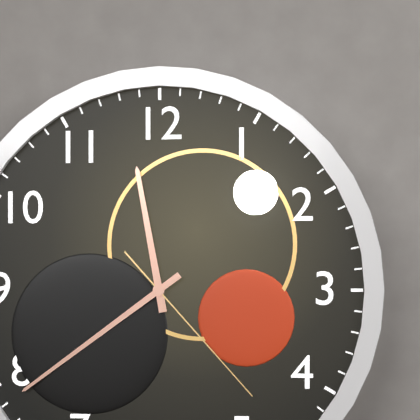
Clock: 11:39:23
